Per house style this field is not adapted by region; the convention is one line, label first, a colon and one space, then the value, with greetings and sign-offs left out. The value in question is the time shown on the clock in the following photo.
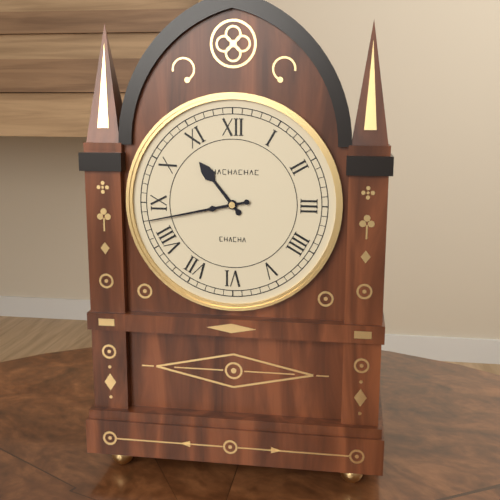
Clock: 10:43
